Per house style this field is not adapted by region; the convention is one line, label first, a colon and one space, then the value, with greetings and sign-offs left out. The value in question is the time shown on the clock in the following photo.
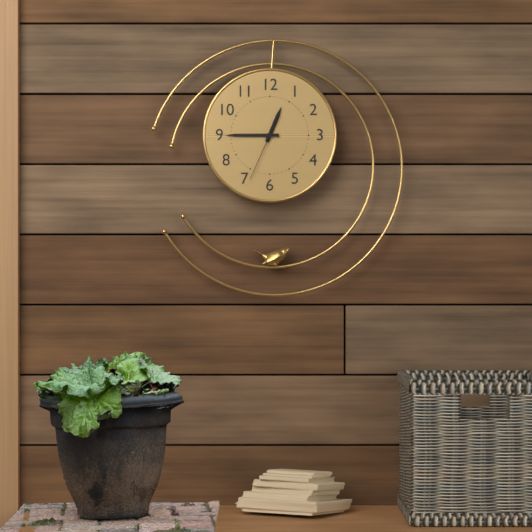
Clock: 12:45:34
